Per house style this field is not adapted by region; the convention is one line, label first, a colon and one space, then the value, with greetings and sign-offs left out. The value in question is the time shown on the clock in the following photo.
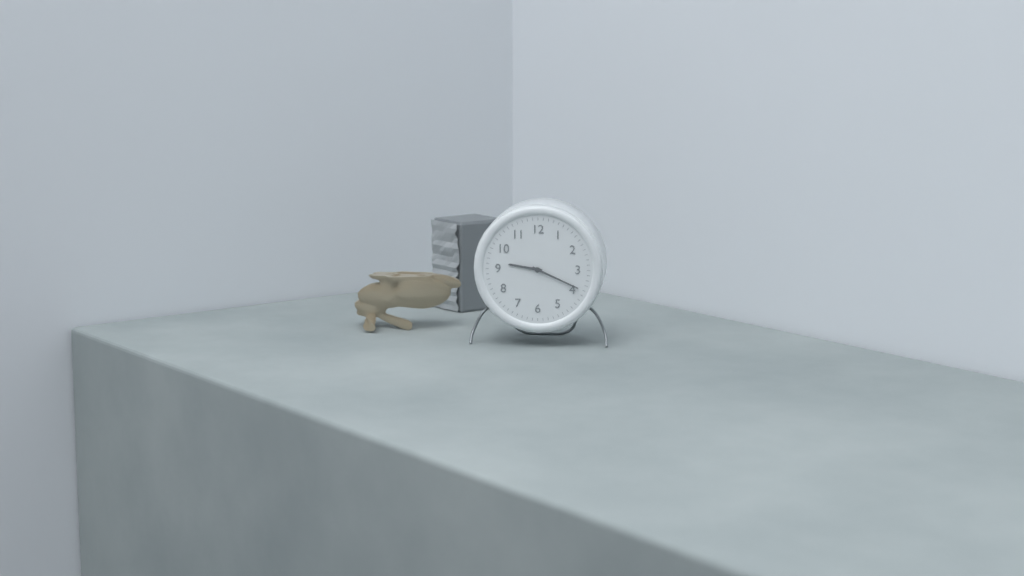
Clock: 9:19
